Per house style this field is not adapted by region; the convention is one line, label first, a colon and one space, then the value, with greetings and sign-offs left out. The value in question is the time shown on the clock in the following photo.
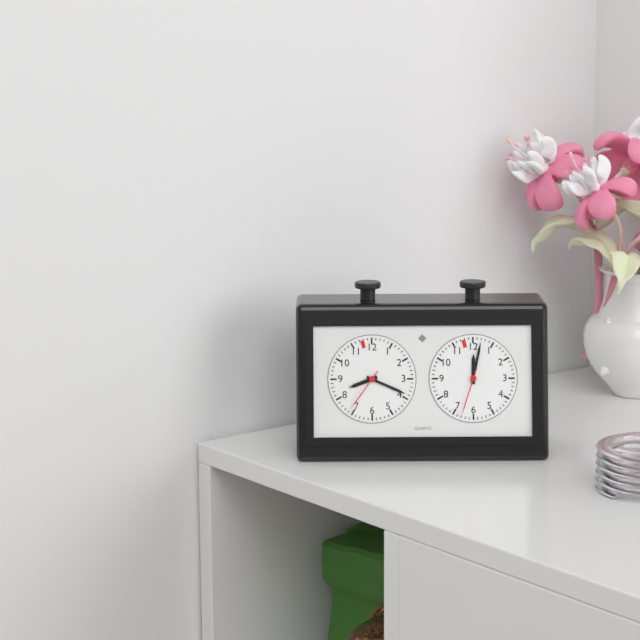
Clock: 8:19
